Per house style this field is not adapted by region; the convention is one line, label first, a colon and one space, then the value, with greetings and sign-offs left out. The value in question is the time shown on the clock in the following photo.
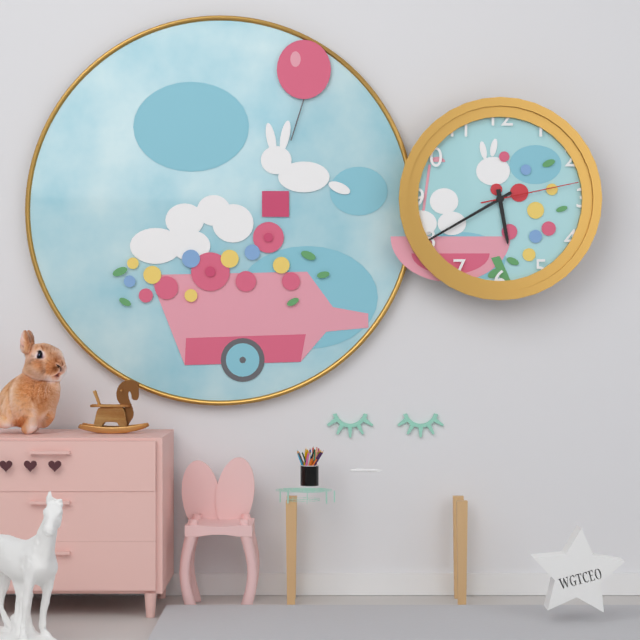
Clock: 5:40:13
